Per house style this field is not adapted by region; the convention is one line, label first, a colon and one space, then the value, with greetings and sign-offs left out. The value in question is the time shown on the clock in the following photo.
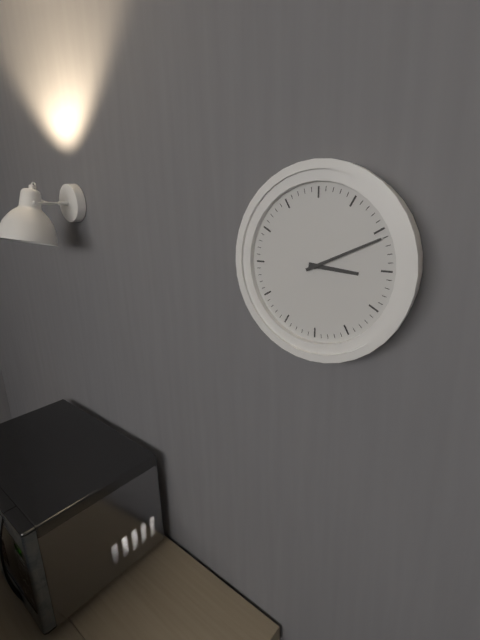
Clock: 3:11
